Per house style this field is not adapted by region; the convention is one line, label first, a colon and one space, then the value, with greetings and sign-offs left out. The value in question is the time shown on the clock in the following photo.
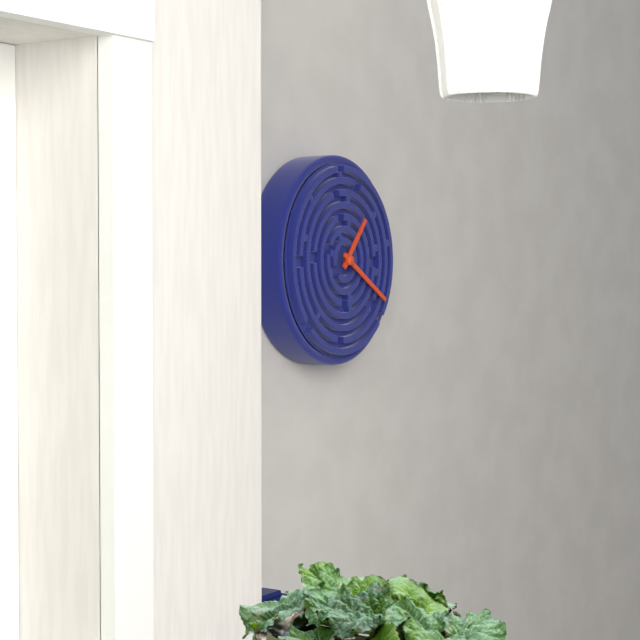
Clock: 1:20
